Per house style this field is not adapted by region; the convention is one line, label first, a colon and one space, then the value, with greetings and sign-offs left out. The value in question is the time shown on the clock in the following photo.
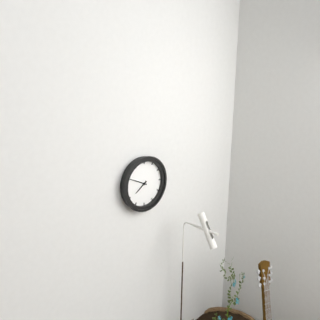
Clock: 7:49
